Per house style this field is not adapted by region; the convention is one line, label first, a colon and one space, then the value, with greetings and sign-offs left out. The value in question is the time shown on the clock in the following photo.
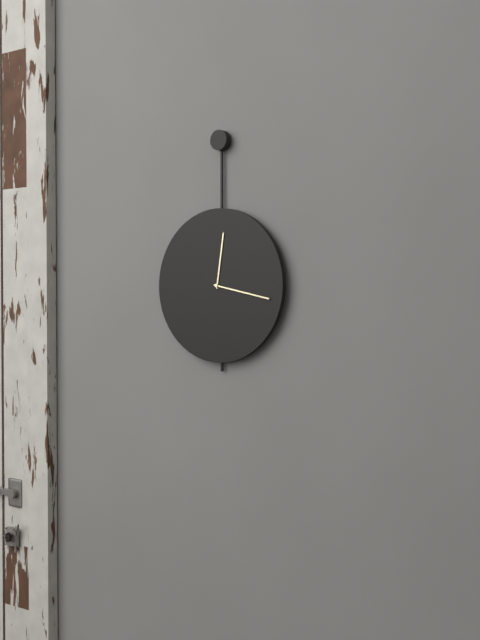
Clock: 12:17
